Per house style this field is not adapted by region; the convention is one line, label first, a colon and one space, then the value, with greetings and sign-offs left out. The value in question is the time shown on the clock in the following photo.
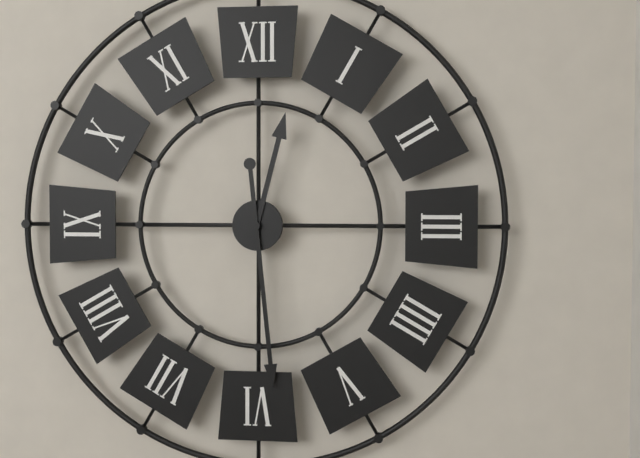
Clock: 12:29
